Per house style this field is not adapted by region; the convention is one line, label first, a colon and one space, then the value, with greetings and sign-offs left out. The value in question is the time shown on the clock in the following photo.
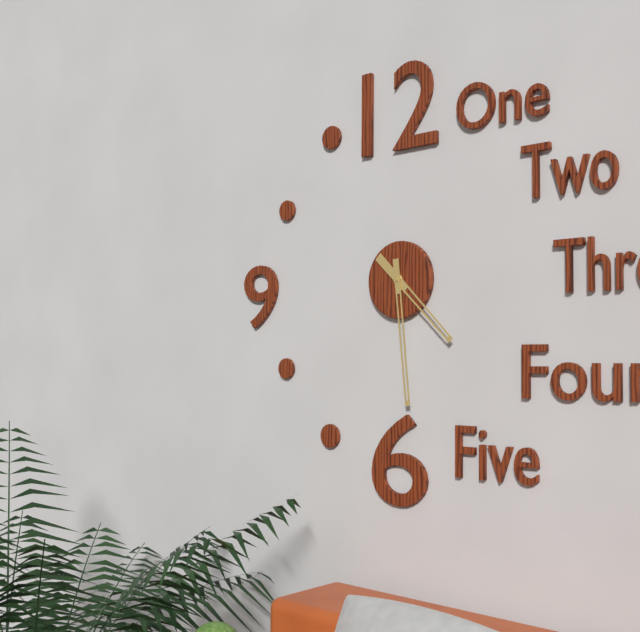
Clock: 4:29
